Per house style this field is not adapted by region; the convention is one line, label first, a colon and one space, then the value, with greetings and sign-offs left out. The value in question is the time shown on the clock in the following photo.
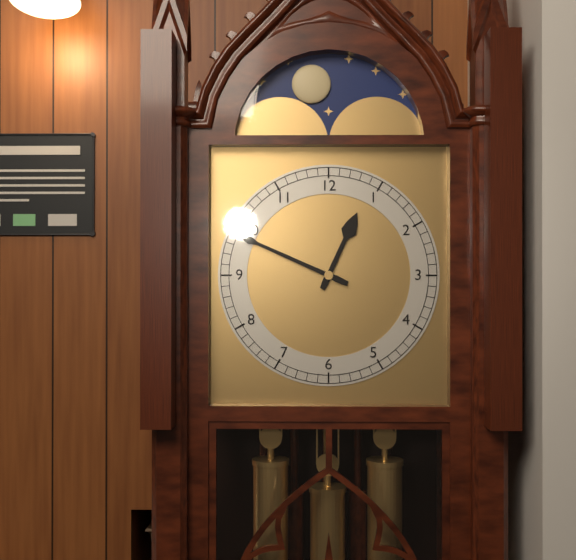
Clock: 12:49
